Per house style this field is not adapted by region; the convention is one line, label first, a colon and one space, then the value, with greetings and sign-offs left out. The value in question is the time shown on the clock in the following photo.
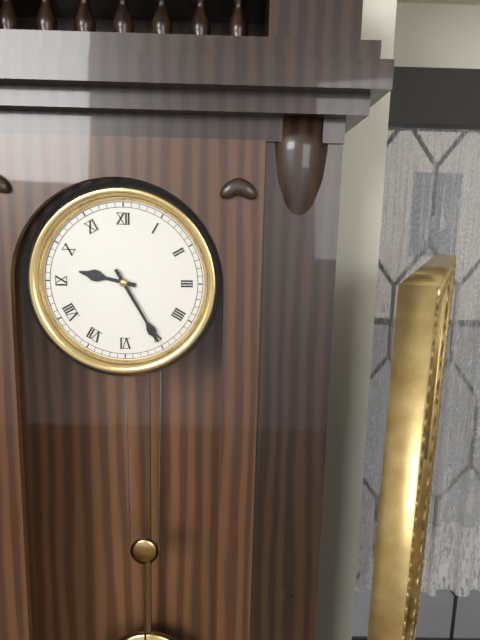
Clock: 9:25
